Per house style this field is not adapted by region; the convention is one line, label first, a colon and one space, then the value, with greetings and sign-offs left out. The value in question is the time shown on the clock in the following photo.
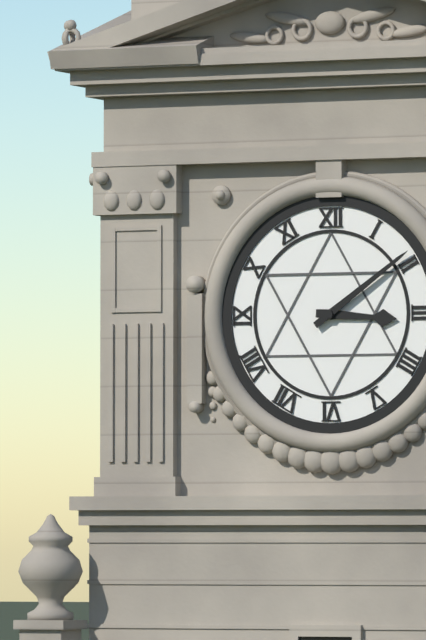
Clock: 3:09
